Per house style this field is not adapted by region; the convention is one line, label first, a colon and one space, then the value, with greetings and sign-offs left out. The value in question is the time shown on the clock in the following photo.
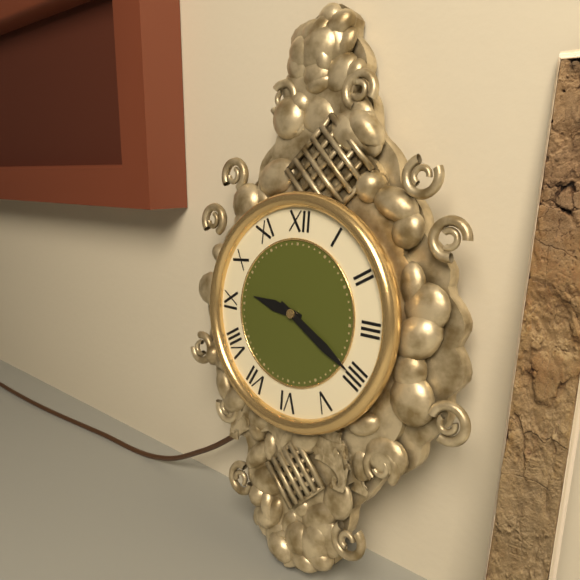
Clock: 9:20
